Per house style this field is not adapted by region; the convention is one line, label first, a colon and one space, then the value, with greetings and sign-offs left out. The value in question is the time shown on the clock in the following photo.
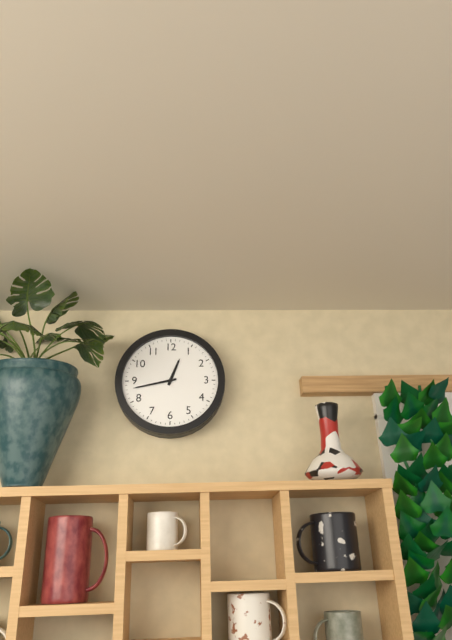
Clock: 12:43
